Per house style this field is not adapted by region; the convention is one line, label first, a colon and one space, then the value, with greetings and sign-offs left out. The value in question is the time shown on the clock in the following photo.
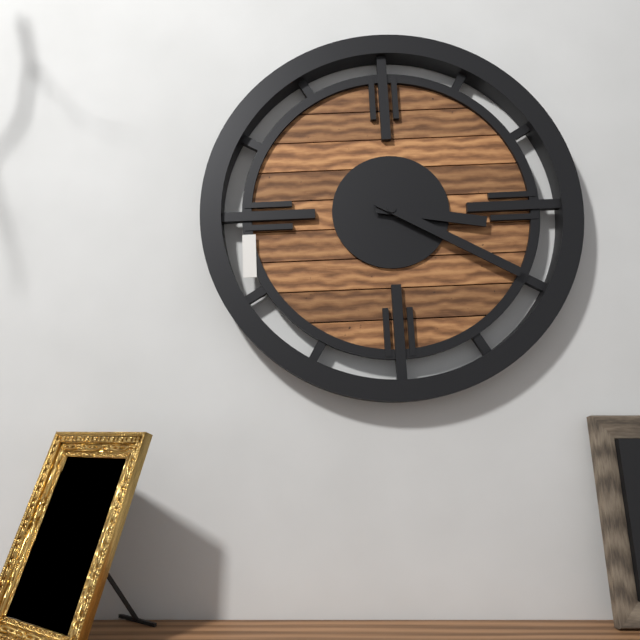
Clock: 3:20
